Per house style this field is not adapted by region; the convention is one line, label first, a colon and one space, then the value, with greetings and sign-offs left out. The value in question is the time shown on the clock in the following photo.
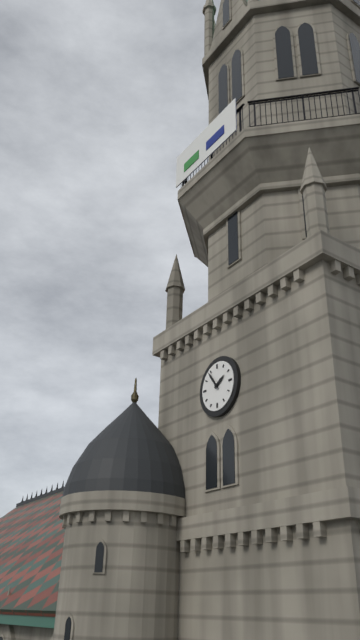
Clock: 1:54
